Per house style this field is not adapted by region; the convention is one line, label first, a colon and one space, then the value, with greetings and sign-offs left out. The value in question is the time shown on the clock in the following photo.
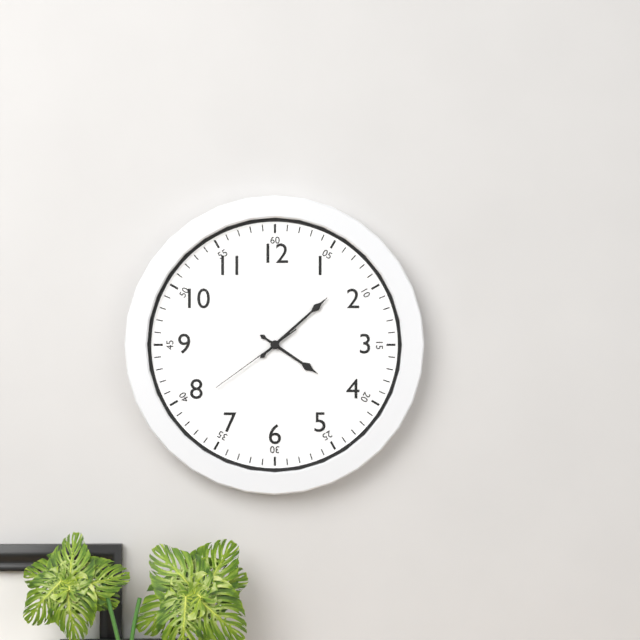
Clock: 4:08:39
